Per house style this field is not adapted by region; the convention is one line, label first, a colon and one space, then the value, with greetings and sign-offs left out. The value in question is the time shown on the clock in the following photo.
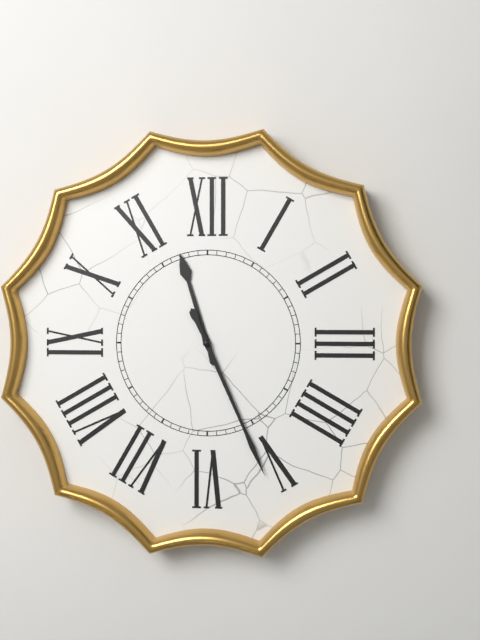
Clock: 11:26
